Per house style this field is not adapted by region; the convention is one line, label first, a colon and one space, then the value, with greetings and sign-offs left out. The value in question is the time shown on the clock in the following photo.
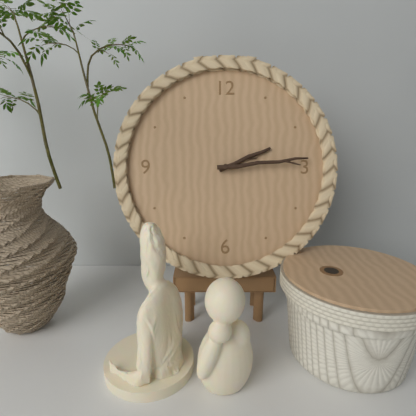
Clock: 2:14
